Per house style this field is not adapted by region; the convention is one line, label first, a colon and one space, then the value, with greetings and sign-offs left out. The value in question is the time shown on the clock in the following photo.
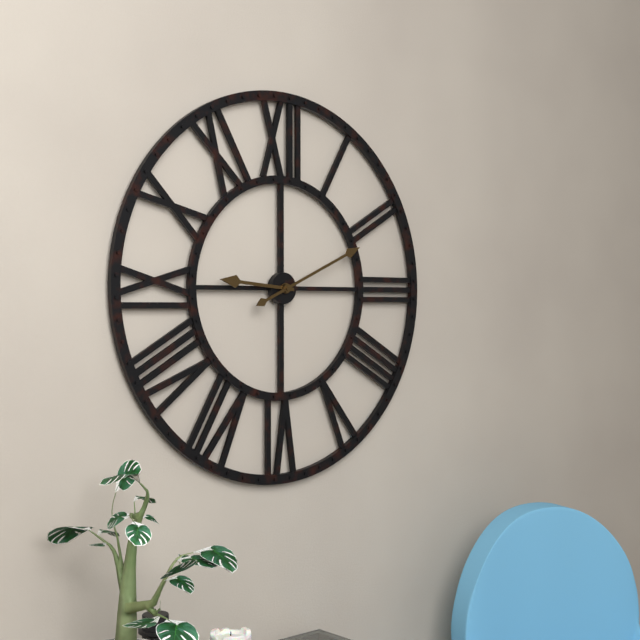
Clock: 9:11
